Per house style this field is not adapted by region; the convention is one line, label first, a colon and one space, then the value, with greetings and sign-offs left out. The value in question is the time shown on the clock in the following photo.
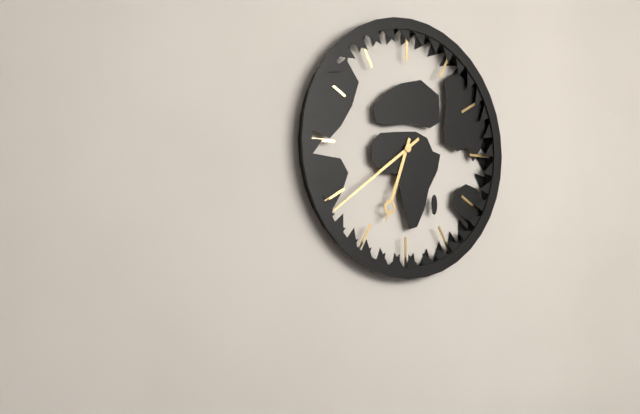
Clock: 6:39
